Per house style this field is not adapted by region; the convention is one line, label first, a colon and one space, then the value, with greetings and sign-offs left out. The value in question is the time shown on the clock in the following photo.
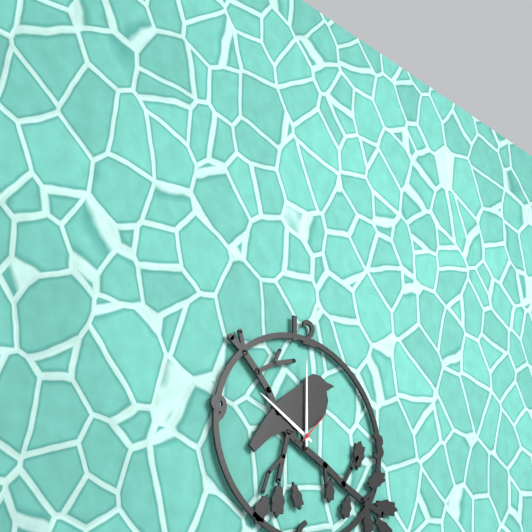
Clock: 10:00
